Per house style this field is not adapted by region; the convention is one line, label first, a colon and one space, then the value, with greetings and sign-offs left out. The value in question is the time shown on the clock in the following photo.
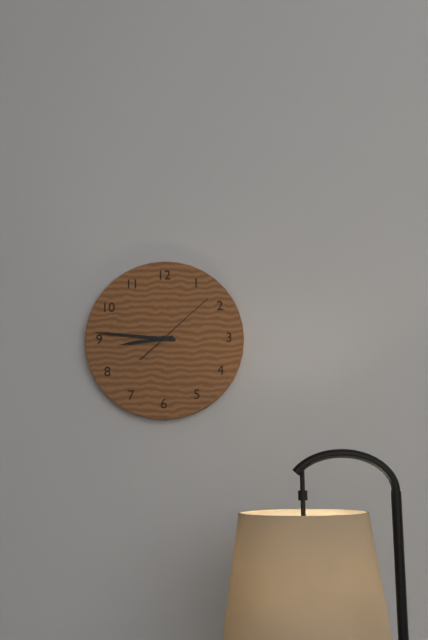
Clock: 8:46:08
